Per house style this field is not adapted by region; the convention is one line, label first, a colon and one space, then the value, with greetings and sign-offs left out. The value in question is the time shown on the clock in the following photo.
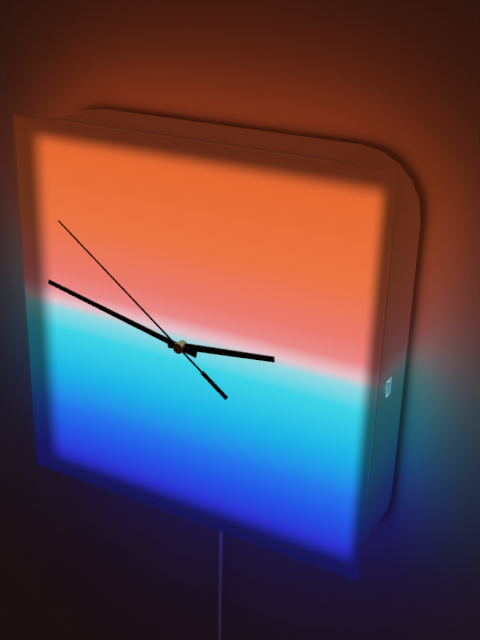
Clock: 2:47:51
